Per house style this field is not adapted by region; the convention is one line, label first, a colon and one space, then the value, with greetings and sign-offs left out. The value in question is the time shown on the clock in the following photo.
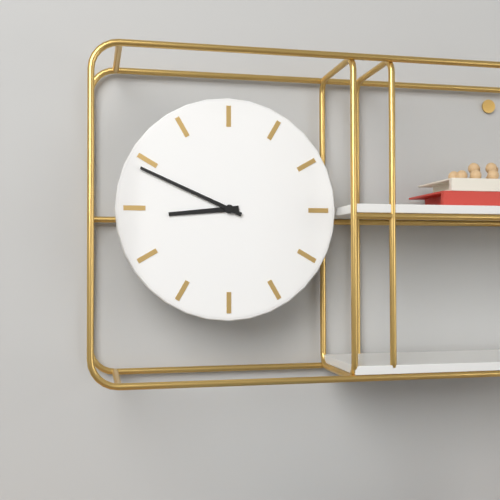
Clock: 8:49
